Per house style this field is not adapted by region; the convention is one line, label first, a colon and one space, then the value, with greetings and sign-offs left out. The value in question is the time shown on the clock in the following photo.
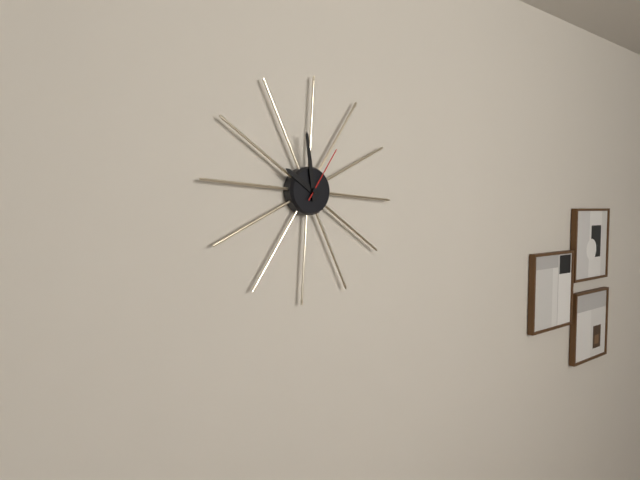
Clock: 9:58:05
